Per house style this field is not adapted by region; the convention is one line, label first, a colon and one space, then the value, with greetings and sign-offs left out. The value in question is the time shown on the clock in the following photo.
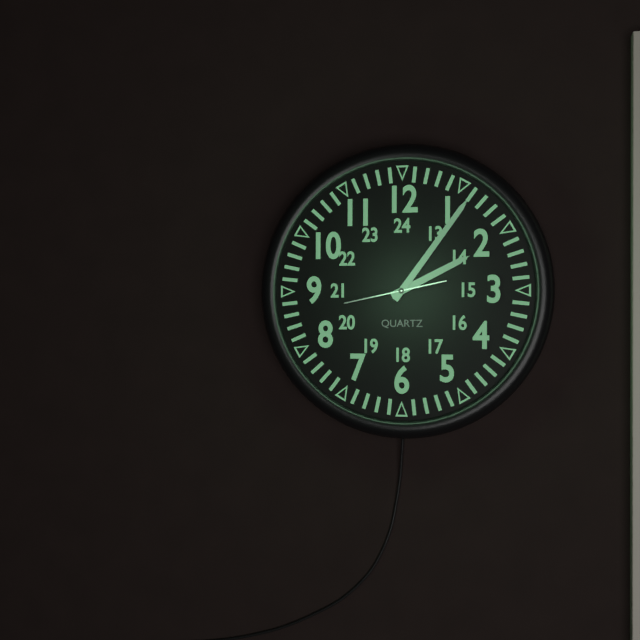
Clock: 2:06:43
